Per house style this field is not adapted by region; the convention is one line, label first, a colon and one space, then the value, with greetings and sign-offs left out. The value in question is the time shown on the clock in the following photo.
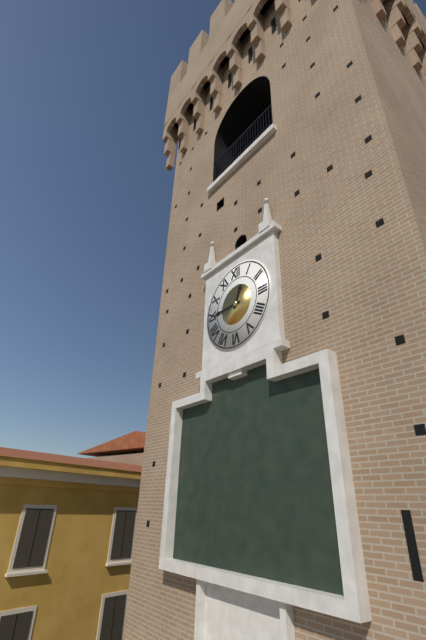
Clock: 12:45
